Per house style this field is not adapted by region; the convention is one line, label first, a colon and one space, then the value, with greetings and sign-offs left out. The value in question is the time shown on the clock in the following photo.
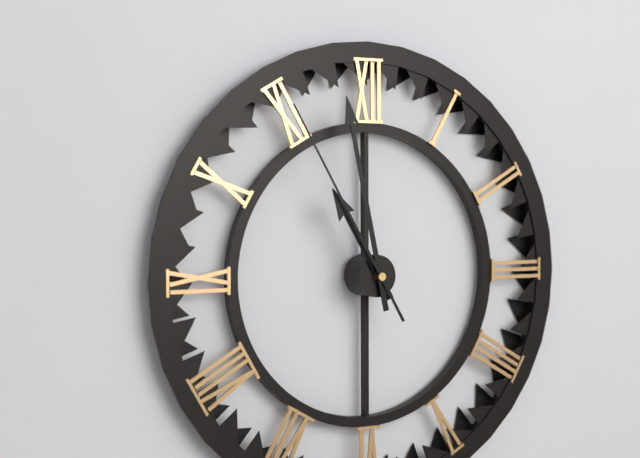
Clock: 10:58:55
